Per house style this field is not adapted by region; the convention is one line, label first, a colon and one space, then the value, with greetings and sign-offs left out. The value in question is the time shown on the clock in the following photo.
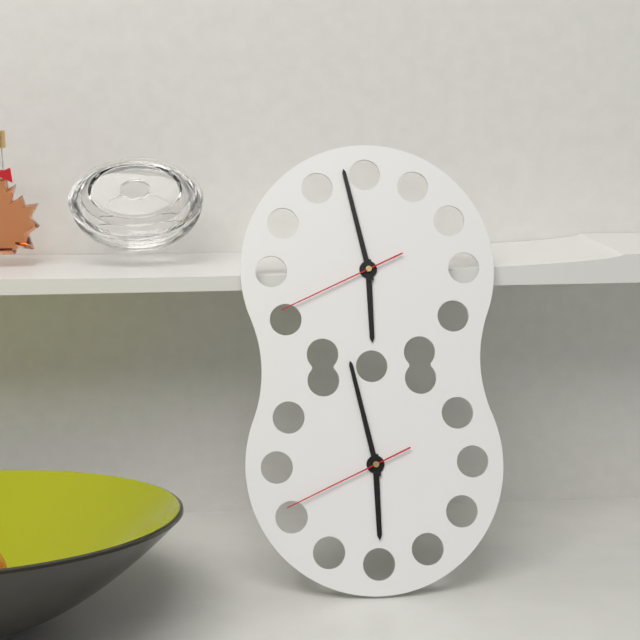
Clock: 5:58:41
